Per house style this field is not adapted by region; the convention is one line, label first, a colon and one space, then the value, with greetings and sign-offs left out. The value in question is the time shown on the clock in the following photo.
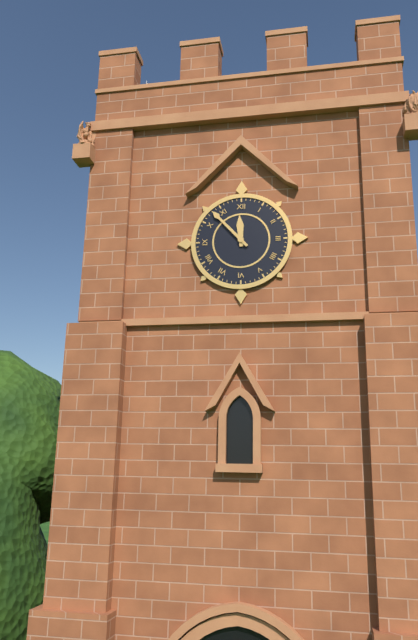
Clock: 11:53
